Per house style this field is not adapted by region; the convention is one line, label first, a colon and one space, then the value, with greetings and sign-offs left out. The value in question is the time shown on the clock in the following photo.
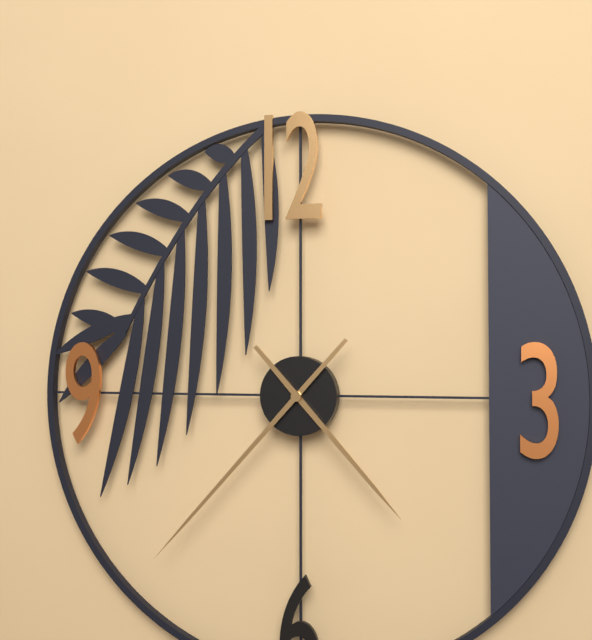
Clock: 4:37
